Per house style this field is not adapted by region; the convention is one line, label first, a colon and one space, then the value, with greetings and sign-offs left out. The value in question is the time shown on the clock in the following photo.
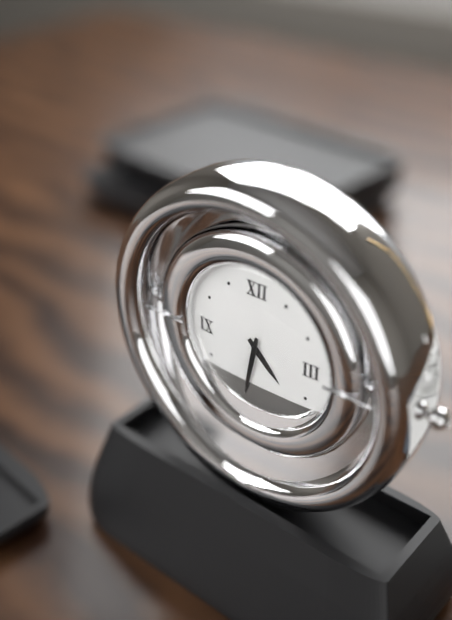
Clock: 4:32
